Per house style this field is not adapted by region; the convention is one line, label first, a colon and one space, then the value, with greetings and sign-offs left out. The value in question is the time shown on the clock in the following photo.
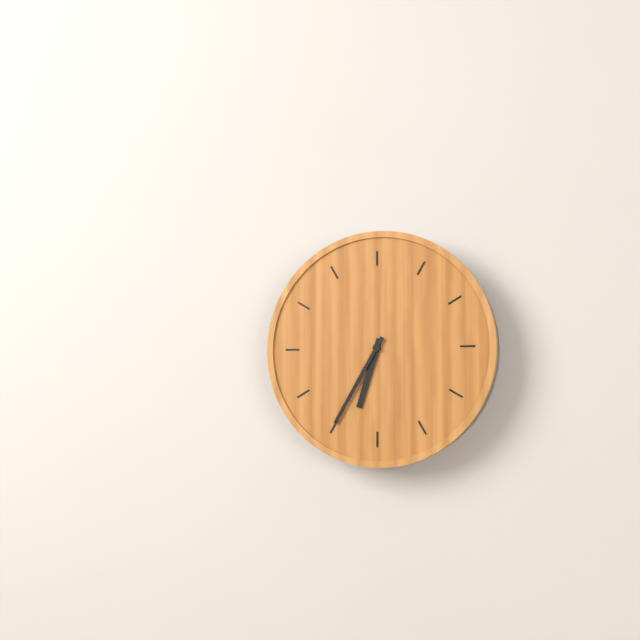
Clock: 6:35
